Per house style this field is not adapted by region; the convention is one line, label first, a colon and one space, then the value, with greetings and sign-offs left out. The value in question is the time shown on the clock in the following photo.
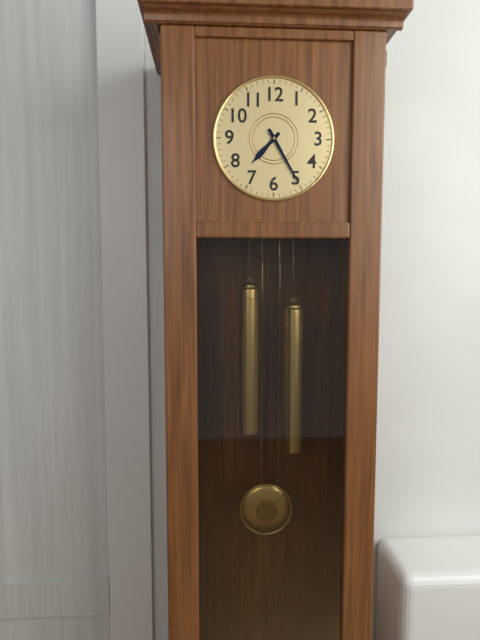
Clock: 7:25
